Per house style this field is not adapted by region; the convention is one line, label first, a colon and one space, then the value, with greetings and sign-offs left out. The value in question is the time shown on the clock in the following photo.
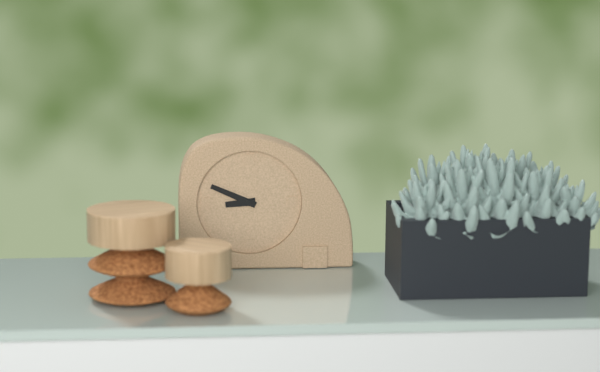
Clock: 8:49
